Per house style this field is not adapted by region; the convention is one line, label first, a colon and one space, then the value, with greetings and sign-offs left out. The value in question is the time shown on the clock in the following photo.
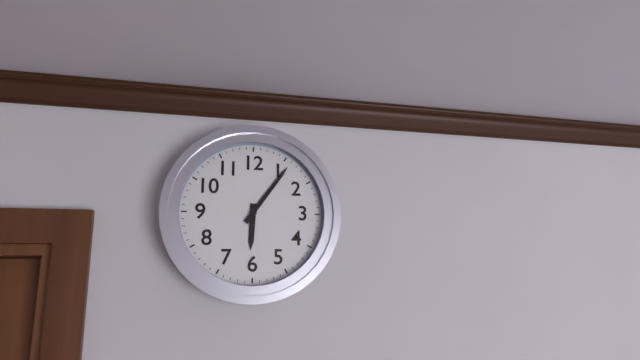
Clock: 6:06
